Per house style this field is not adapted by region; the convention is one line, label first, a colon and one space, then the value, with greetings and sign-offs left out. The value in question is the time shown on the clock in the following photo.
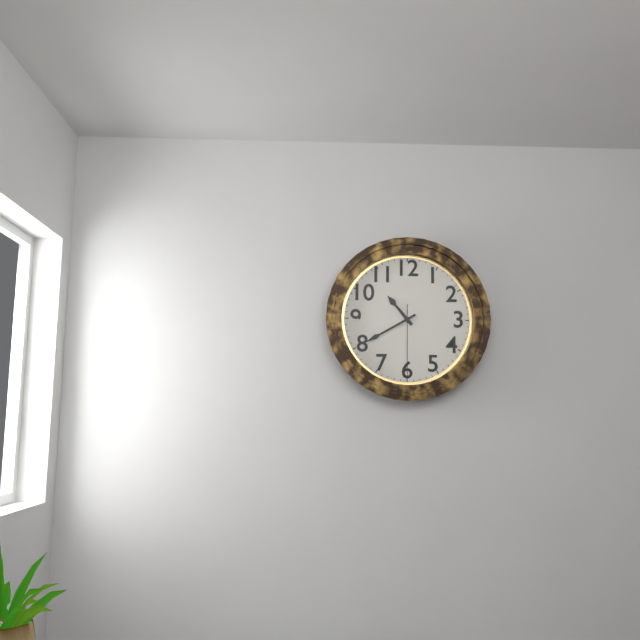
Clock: 10:40:30
